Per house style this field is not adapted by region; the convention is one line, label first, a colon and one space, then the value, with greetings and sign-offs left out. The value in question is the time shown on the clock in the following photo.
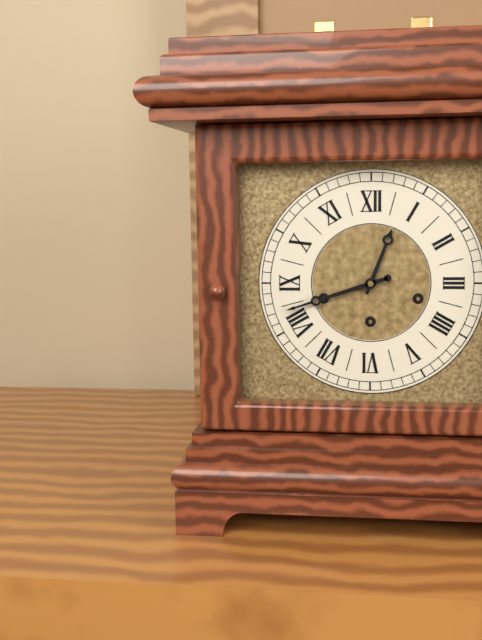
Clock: 12:42
